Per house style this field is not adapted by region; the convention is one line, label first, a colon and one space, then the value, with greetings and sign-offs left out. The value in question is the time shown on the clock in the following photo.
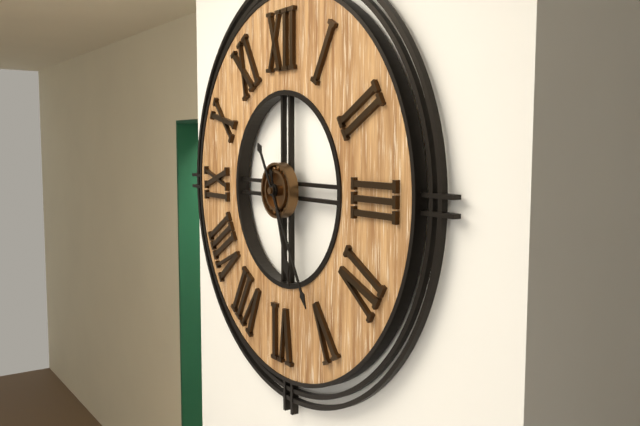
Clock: 5:25
